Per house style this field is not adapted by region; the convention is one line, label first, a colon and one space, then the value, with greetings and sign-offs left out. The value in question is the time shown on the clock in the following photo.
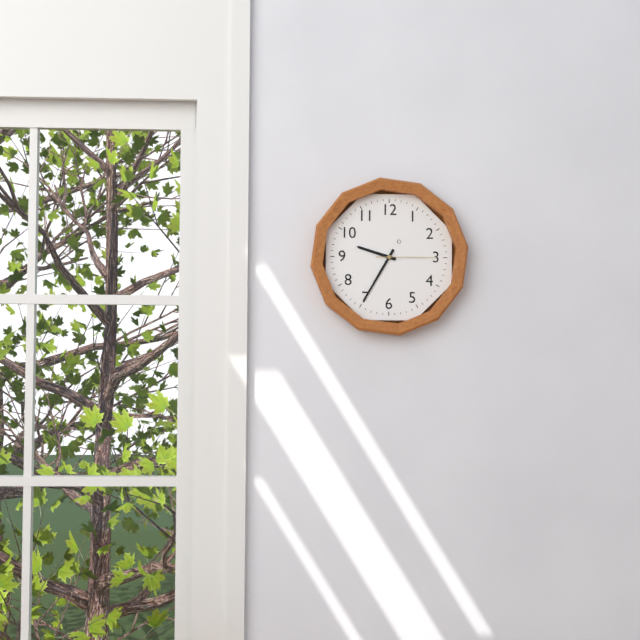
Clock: 9:35:15
